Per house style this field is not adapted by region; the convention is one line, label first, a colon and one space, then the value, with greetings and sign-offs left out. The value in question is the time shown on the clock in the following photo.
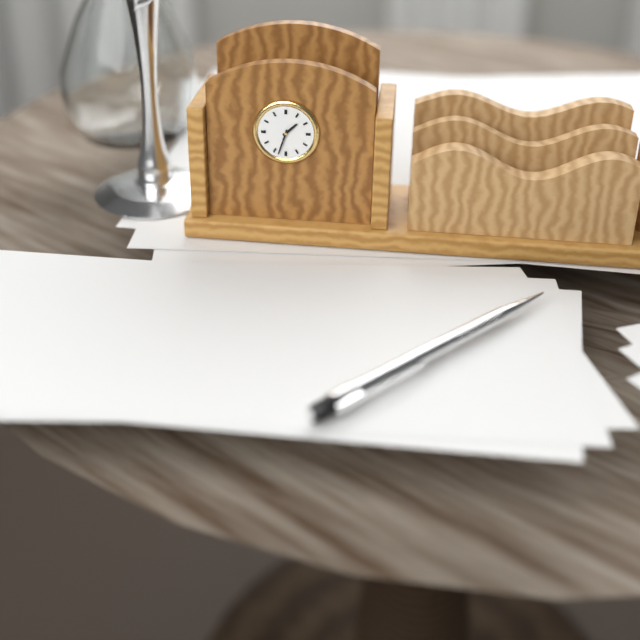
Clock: 1:33
